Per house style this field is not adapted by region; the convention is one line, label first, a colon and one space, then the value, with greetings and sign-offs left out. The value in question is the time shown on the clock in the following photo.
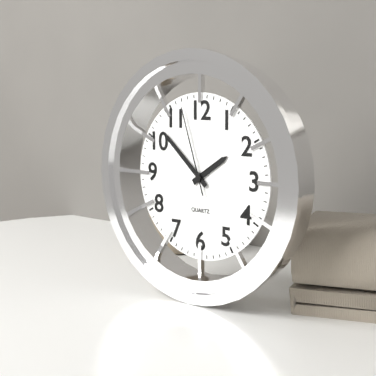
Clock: 1:52:57
